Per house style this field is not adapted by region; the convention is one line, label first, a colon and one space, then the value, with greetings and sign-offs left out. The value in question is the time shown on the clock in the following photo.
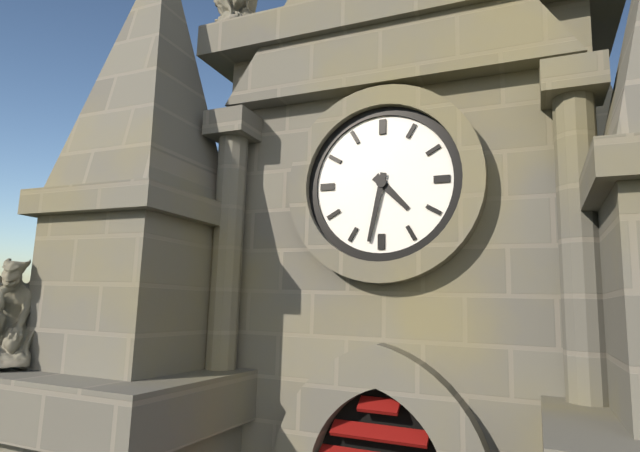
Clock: 4:32
